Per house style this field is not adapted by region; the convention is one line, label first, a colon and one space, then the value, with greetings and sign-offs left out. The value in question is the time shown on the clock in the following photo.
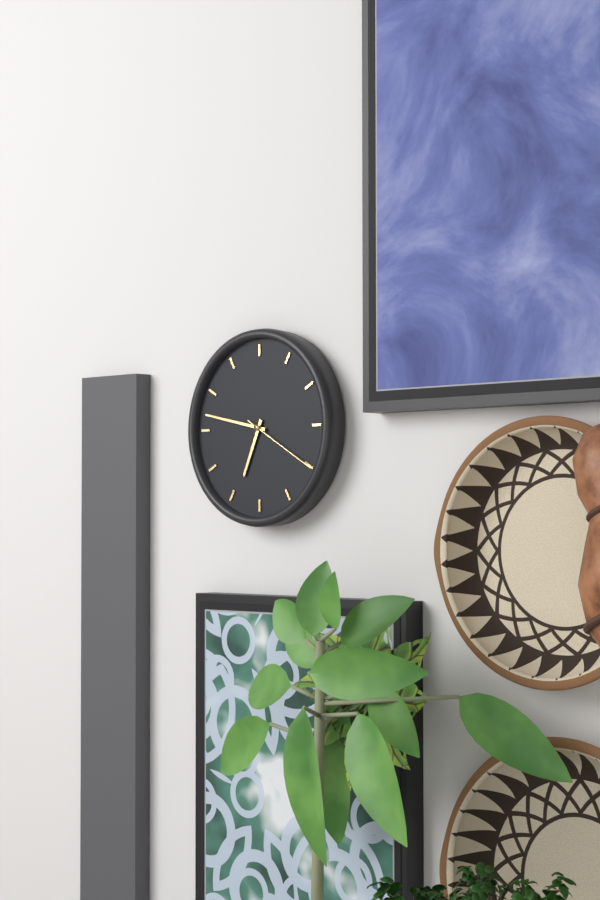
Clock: 6:47:20
